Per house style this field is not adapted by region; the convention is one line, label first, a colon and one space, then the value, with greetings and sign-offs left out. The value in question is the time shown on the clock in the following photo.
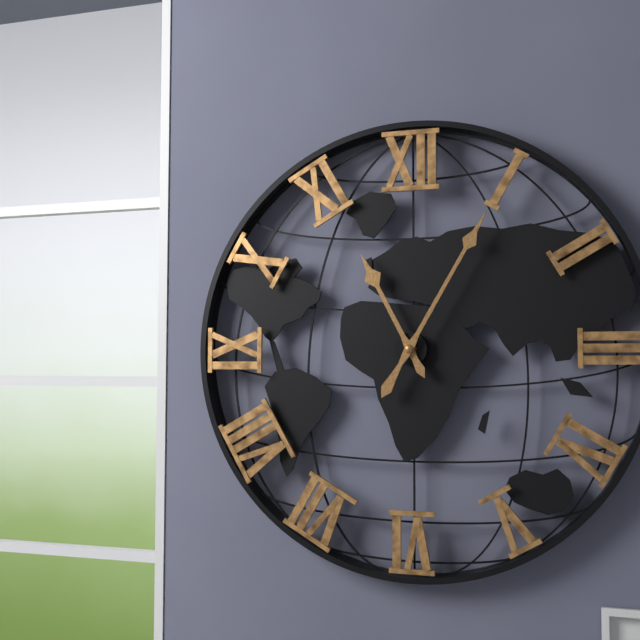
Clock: 11:05
